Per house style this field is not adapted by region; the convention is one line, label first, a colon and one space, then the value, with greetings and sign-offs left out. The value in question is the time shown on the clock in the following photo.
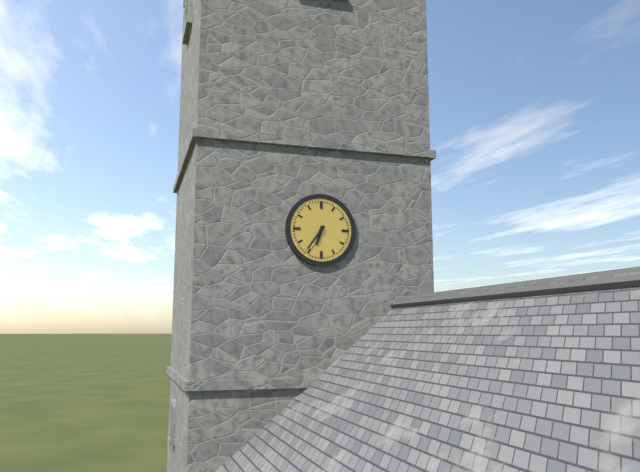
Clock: 6:36
